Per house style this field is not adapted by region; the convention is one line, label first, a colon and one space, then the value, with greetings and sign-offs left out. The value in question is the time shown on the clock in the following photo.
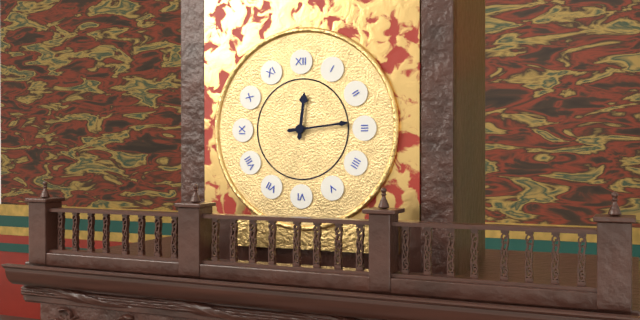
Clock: 12:14
